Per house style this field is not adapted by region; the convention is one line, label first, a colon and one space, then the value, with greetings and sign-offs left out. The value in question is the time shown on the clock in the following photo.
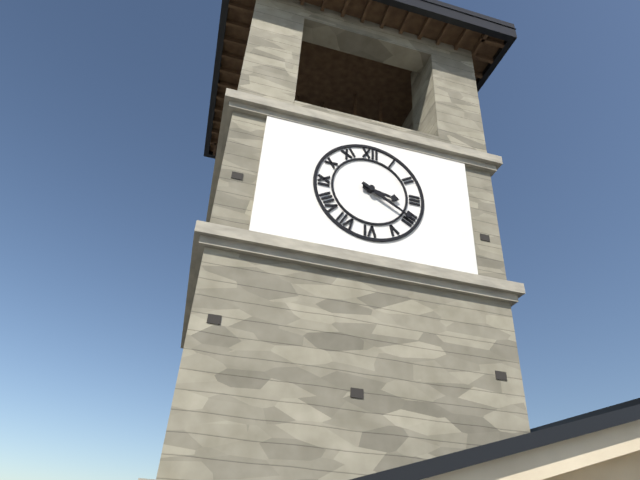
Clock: 3:20
